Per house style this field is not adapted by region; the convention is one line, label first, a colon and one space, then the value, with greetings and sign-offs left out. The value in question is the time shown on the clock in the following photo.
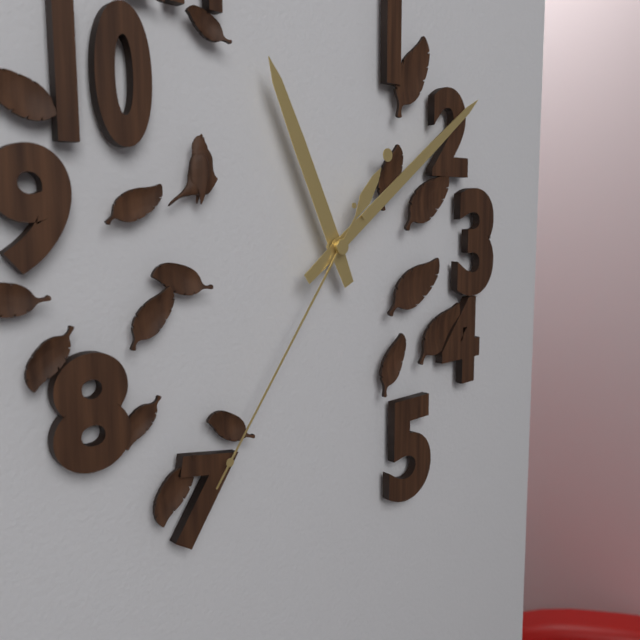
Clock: 11:09:36
